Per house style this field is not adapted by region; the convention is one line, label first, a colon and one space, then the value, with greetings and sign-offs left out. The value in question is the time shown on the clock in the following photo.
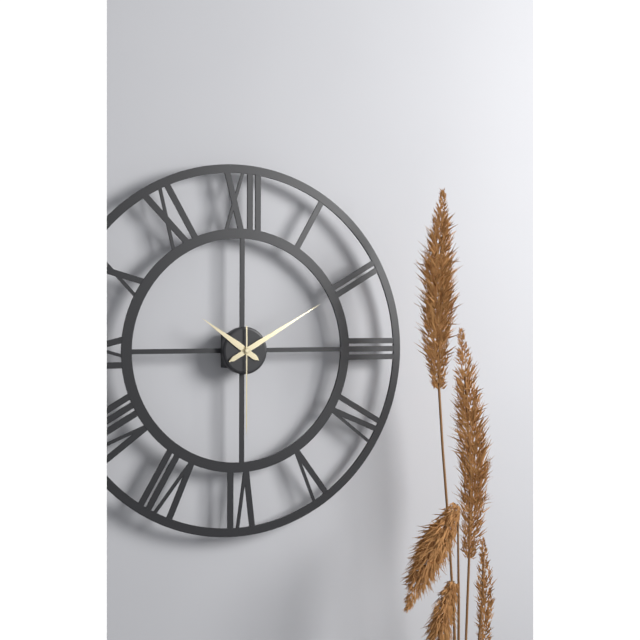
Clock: 10:10:30
